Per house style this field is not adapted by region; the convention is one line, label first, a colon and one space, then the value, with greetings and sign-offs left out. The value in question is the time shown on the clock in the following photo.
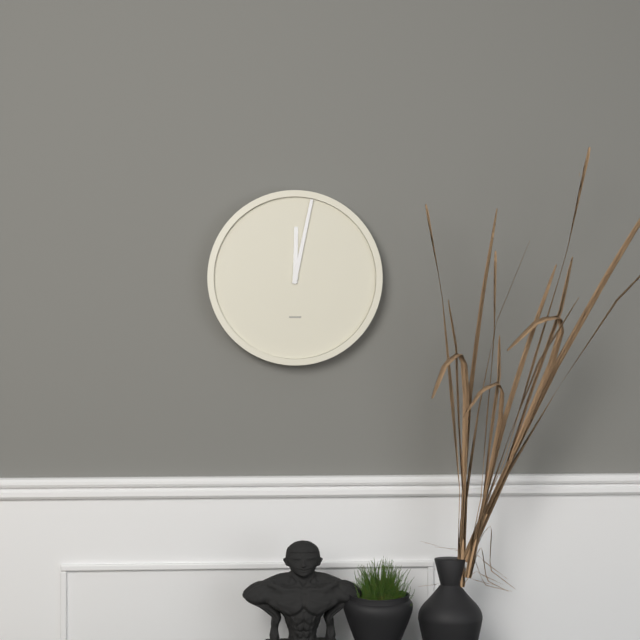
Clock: 12:02
